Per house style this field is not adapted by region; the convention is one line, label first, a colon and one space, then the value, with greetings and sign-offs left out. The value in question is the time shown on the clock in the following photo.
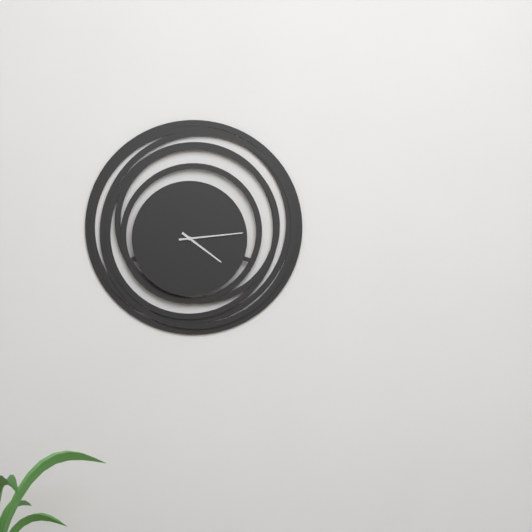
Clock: 4:14
